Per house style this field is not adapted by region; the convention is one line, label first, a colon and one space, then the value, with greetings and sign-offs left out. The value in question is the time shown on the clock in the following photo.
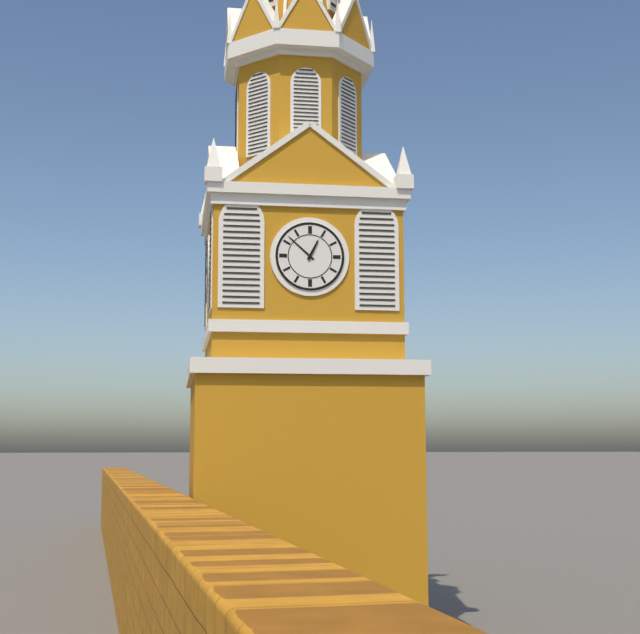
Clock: 12:52
